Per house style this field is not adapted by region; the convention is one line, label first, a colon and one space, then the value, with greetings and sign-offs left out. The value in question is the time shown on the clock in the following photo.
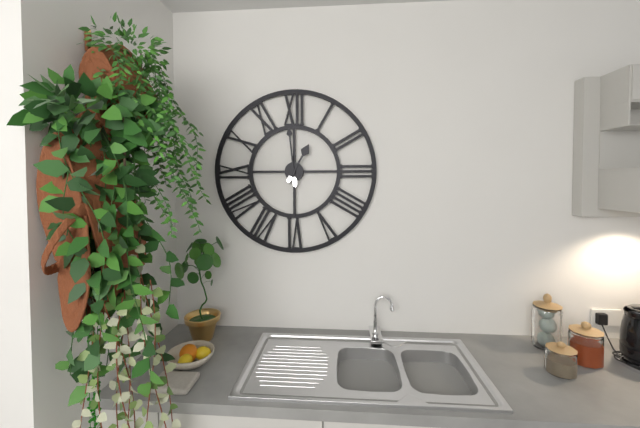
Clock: 12:59
